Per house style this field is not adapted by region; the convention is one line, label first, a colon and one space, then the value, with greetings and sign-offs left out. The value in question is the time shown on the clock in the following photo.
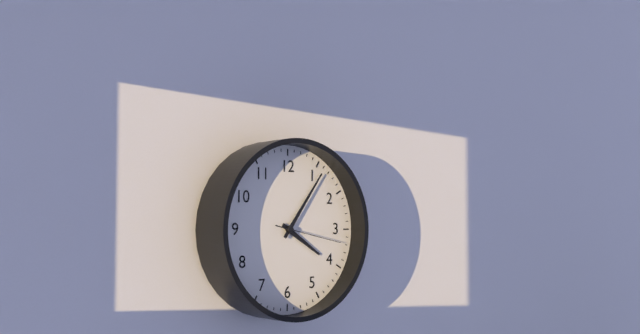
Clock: 4:06:17
